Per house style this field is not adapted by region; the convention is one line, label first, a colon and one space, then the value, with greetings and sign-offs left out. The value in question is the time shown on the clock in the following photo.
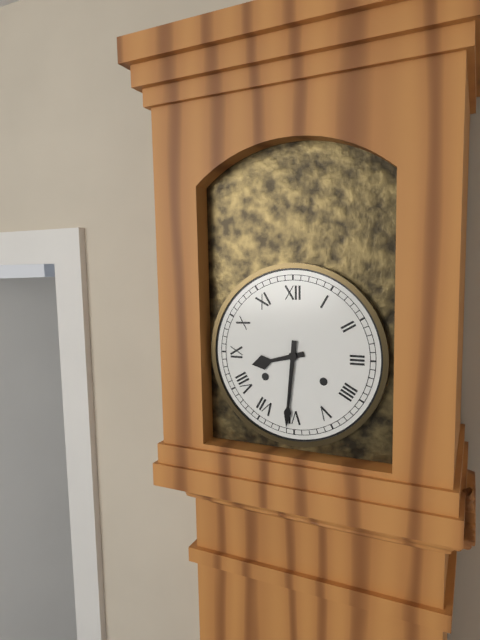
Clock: 8:31
